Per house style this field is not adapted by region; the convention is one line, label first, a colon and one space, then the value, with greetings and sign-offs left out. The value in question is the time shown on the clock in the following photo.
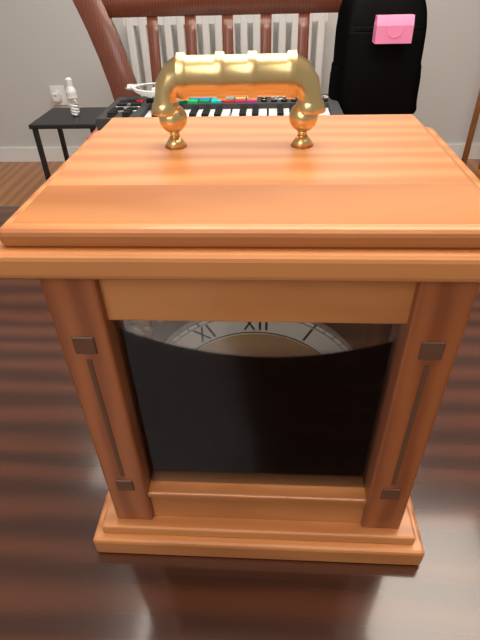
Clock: 7:18
